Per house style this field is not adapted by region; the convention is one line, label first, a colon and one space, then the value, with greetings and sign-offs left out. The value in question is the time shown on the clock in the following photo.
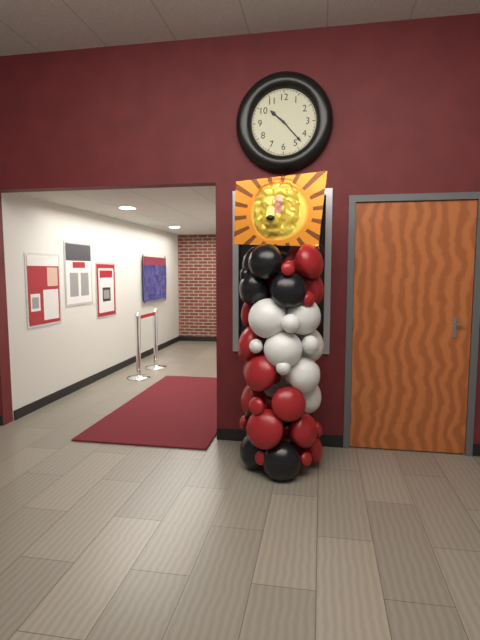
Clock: 10:23
